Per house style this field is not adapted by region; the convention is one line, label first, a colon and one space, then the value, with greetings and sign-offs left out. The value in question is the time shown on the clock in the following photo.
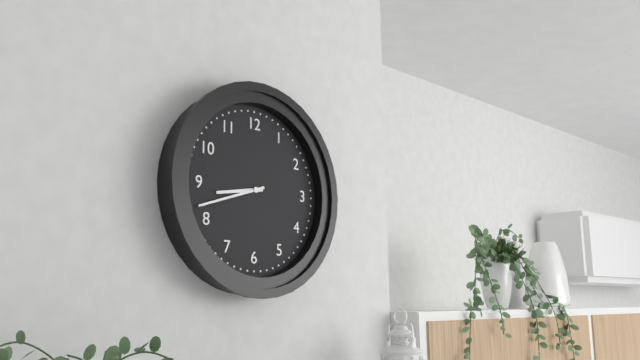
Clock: 8:42
